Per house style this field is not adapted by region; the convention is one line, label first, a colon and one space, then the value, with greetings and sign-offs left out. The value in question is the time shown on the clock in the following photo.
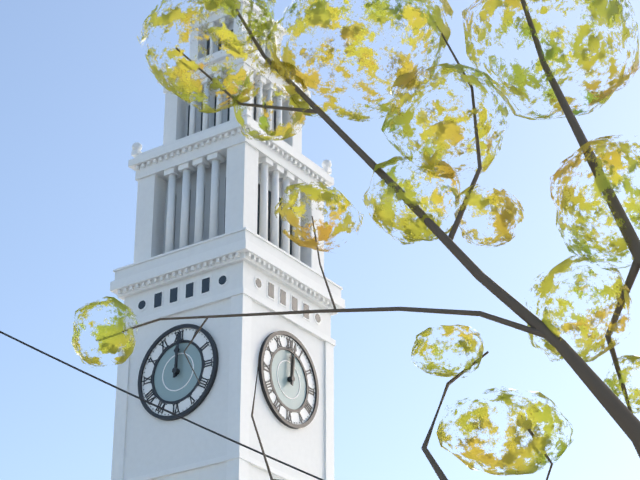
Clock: 12:01
